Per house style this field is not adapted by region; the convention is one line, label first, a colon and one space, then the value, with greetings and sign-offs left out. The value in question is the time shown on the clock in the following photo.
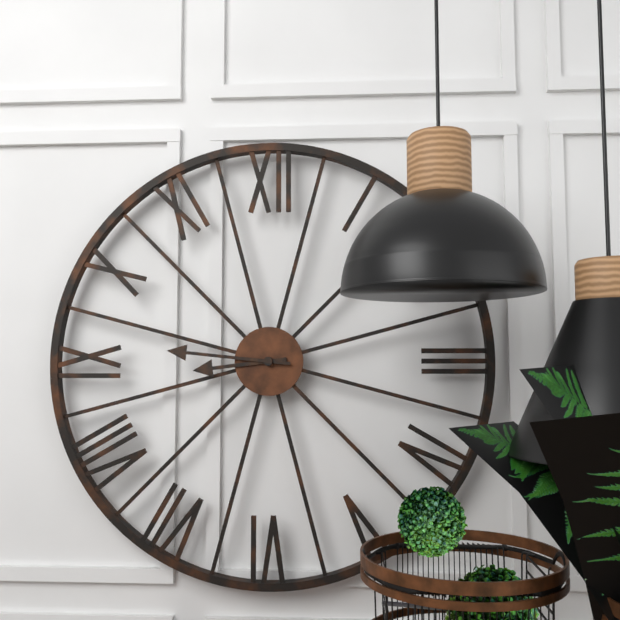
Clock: 8:46
